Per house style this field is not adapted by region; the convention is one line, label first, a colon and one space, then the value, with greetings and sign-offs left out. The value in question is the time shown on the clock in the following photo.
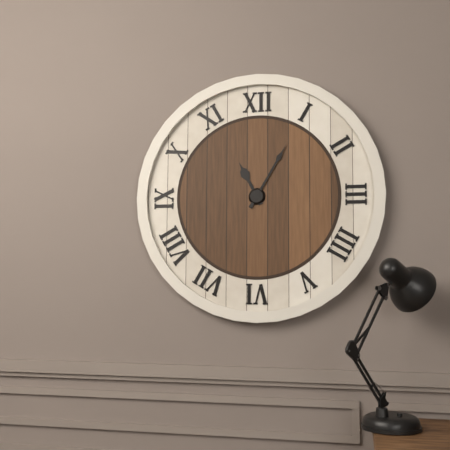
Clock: 11:05
